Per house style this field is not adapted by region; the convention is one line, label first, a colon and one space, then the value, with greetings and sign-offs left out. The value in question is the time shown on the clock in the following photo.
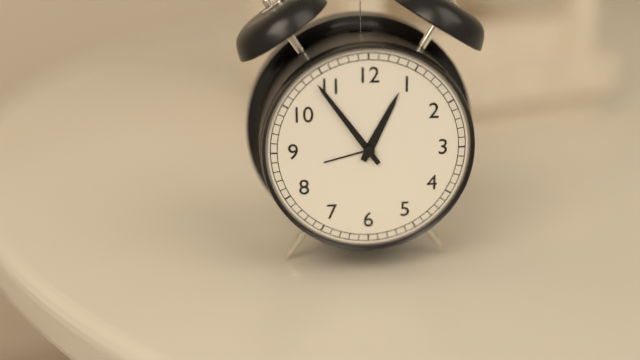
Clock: 12:54
